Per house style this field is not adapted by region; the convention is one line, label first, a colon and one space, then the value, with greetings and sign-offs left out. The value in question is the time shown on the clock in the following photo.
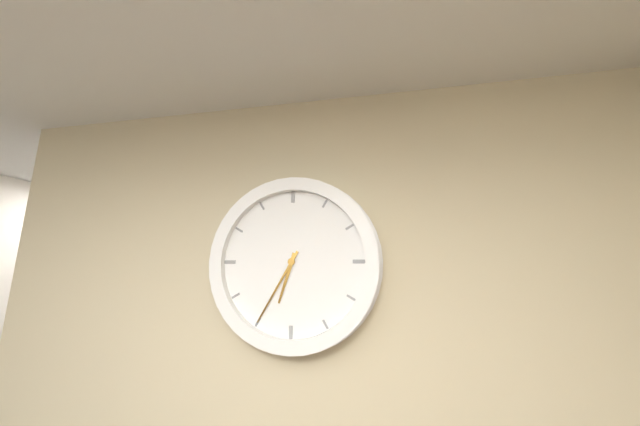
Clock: 6:35
